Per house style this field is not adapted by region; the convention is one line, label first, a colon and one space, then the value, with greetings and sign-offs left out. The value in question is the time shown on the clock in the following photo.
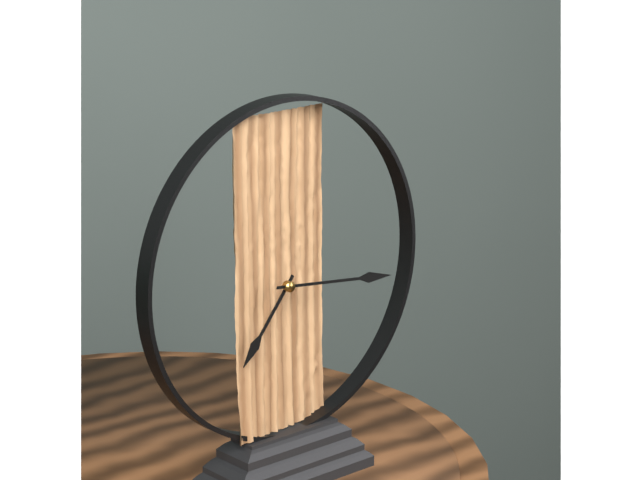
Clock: 7:16
